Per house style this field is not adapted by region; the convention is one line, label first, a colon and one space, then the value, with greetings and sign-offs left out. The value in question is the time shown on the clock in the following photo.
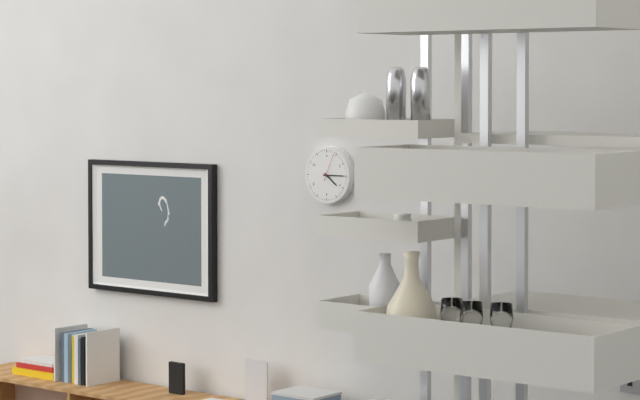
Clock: 4:15
